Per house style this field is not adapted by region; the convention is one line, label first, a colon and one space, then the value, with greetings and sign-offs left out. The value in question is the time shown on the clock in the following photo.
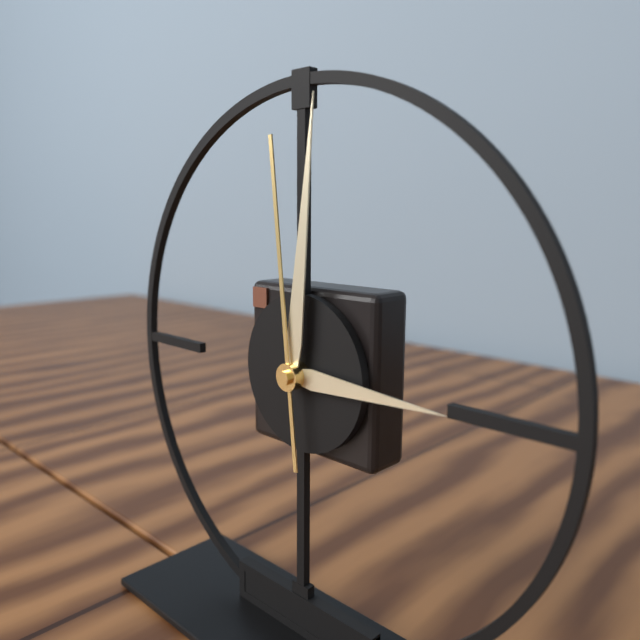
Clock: 3:01:59
